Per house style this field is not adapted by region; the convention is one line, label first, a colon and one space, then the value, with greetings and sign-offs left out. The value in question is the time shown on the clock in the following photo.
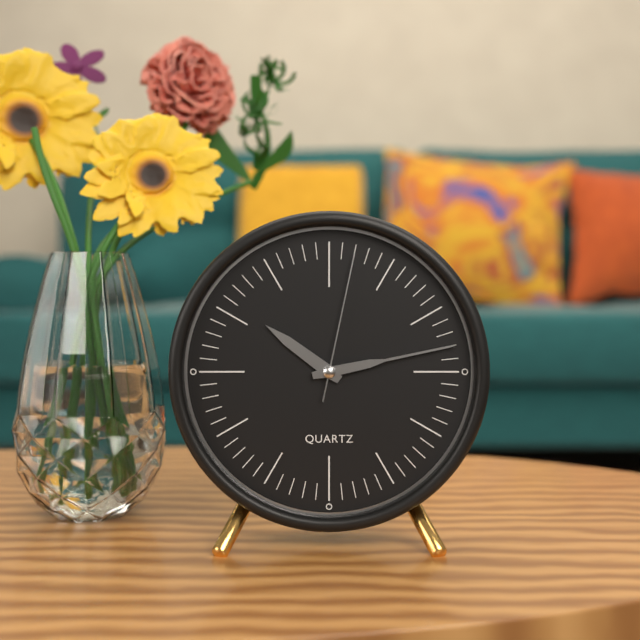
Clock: 10:13:02
